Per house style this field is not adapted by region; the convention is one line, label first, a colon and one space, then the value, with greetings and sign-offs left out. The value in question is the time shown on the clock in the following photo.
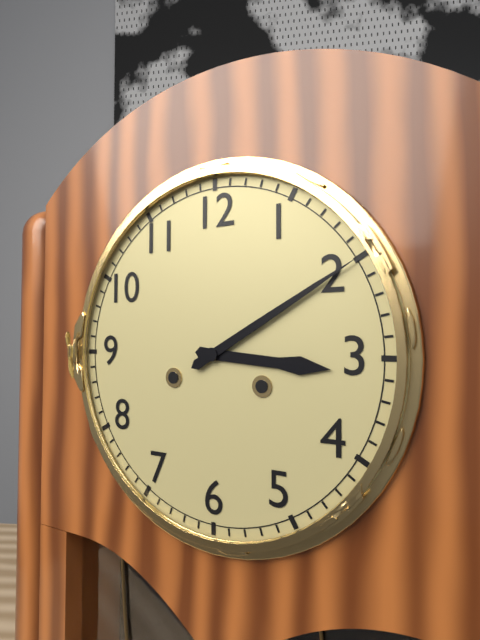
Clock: 3:10
